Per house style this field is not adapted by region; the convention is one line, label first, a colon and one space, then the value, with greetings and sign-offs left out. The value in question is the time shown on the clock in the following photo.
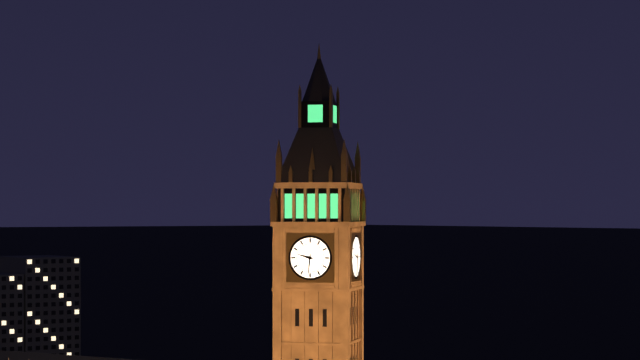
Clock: 9:31
